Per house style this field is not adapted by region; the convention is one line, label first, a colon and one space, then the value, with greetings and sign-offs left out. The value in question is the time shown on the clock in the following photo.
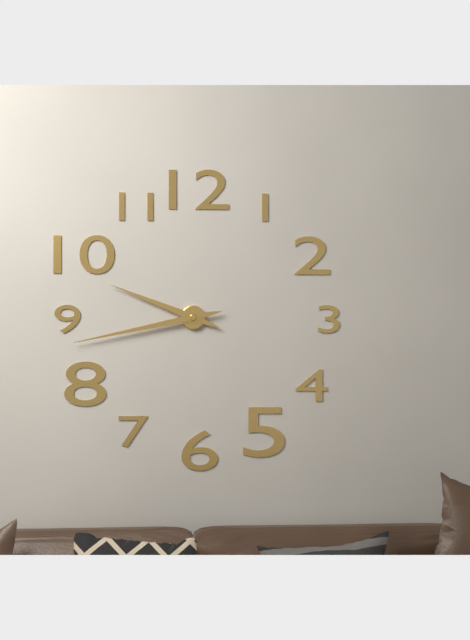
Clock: 9:43
